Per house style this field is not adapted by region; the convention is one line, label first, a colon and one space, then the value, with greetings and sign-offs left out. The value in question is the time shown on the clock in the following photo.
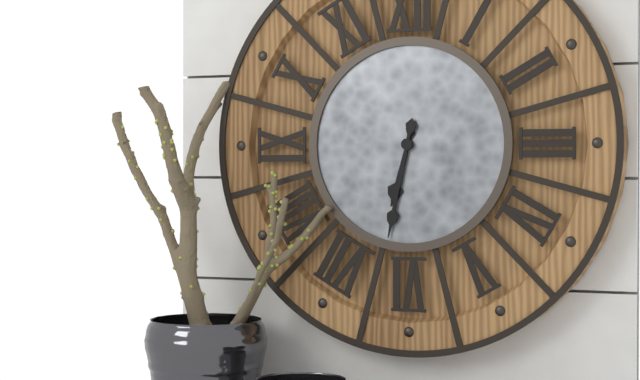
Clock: 6:32
